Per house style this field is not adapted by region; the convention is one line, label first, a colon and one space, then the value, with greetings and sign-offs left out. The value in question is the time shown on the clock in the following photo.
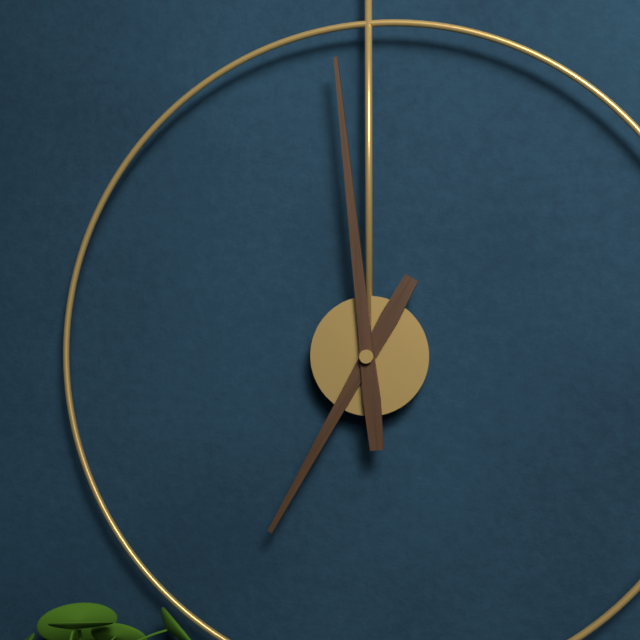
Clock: 6:59
